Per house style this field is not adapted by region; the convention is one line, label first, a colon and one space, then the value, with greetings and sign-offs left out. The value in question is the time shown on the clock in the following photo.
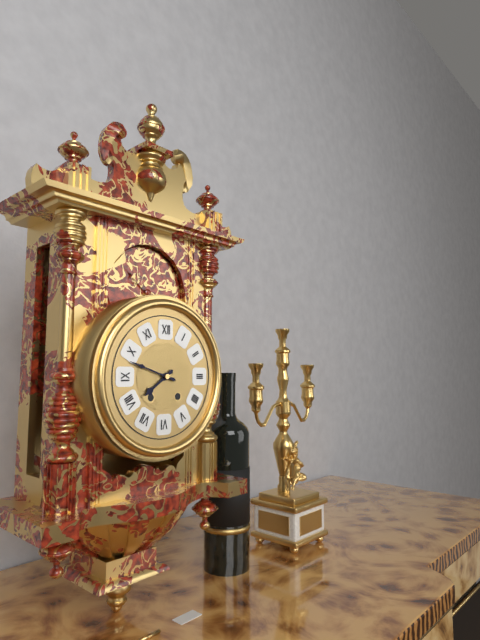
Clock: 7:48
